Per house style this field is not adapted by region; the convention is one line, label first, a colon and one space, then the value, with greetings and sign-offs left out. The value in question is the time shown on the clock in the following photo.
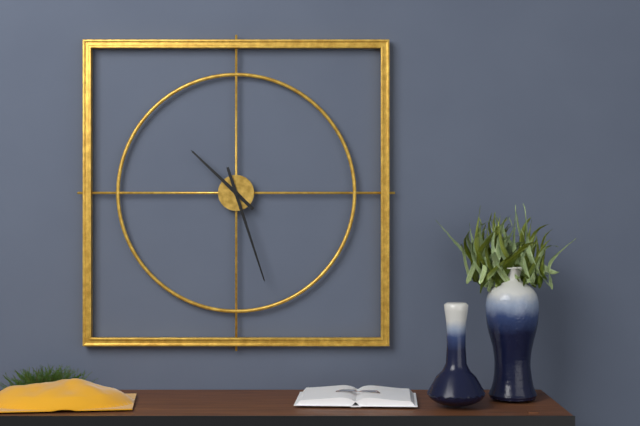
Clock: 10:27
